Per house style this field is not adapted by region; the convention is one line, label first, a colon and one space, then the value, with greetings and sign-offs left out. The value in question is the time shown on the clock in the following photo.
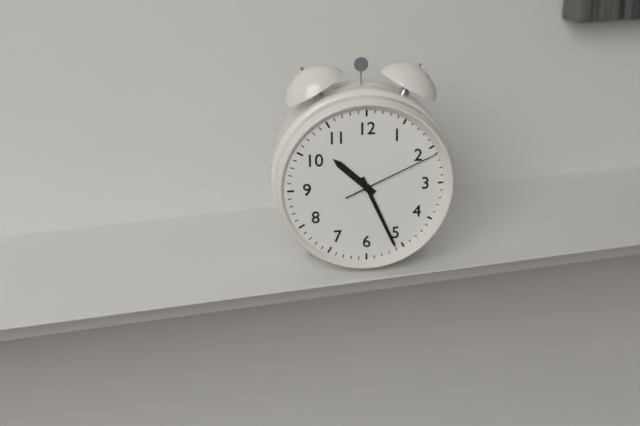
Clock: 10:26:11
